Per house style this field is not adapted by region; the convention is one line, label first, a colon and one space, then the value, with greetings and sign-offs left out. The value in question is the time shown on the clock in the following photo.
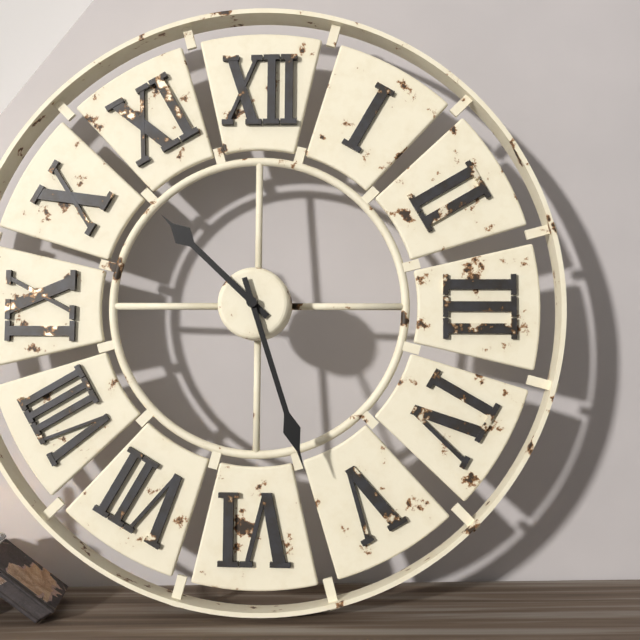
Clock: 10:27
